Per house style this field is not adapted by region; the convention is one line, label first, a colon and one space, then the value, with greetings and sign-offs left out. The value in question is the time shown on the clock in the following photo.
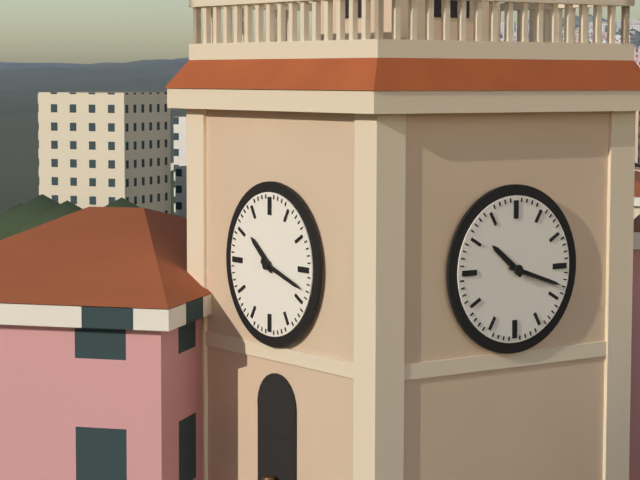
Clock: 10:18
